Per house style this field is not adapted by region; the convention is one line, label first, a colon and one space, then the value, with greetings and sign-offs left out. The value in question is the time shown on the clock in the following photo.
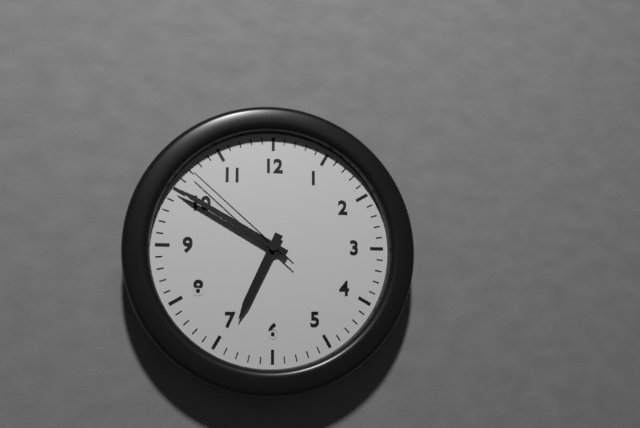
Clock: 6:50:52
